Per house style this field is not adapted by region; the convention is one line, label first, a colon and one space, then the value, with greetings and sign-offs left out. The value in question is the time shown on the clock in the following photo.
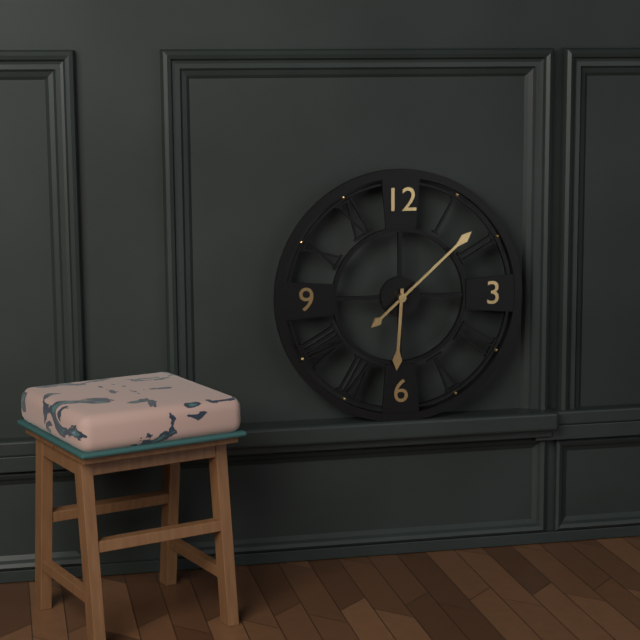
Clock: 6:08
